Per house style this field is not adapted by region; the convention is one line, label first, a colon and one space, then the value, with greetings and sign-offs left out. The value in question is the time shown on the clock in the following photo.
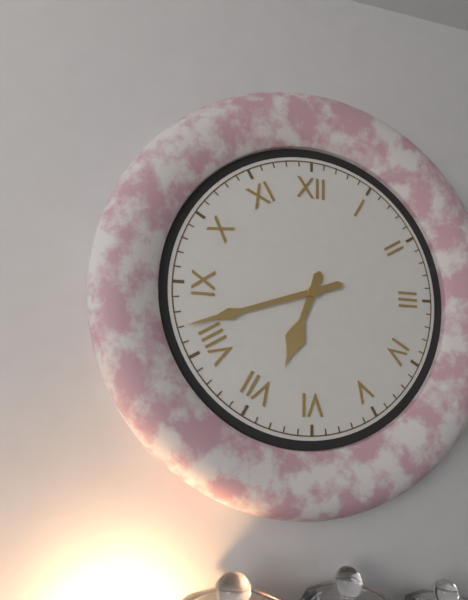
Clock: 6:42
